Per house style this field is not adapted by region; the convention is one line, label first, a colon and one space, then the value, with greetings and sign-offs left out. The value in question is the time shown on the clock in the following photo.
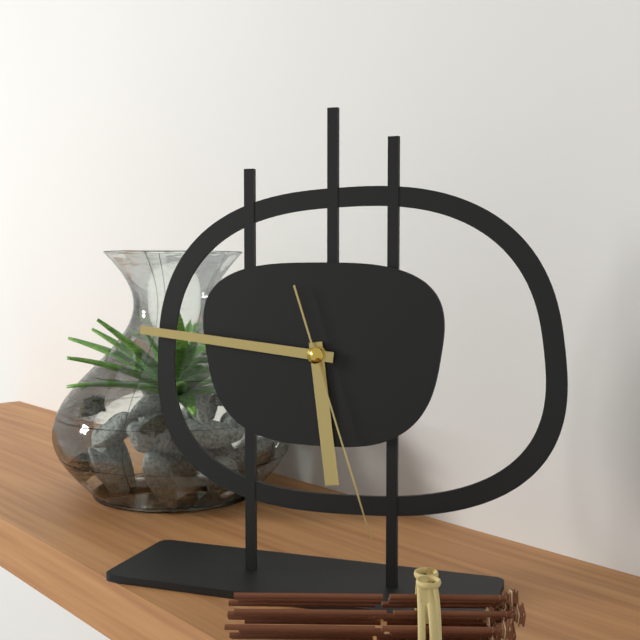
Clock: 5:46:27
